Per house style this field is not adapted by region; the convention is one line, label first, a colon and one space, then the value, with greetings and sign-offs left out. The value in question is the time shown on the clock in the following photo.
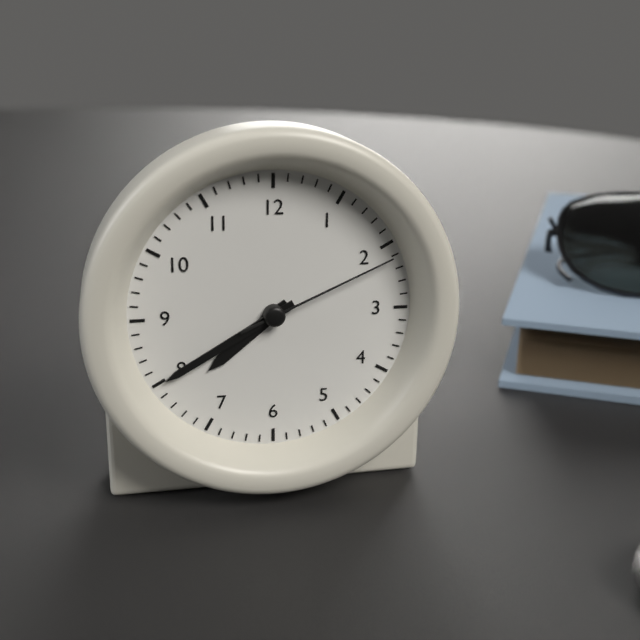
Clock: 7:40:11
